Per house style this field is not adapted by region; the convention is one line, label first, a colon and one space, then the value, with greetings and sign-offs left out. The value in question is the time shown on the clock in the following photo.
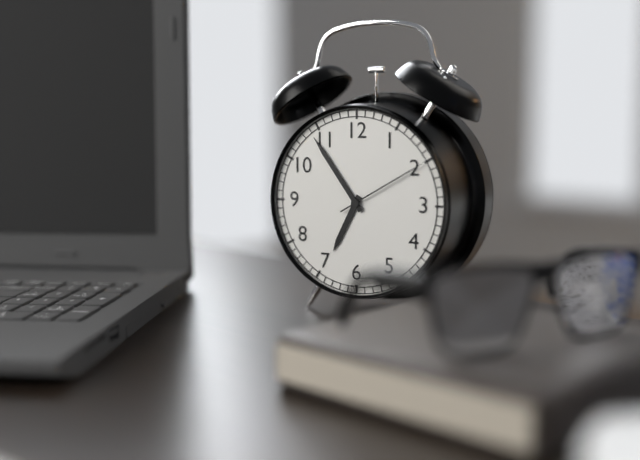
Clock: 6:54:10
